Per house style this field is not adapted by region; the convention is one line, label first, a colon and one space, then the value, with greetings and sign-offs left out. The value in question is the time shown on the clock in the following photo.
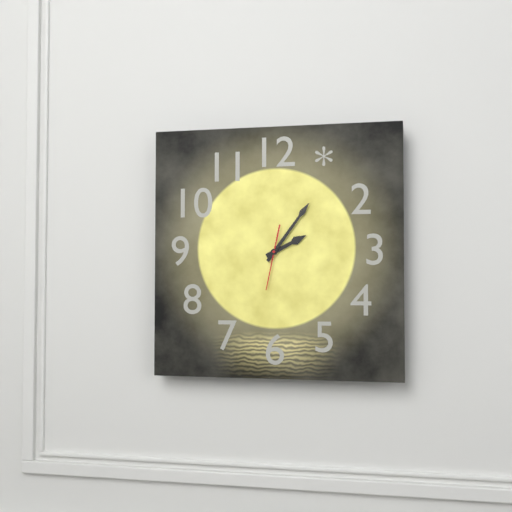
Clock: 2:06
